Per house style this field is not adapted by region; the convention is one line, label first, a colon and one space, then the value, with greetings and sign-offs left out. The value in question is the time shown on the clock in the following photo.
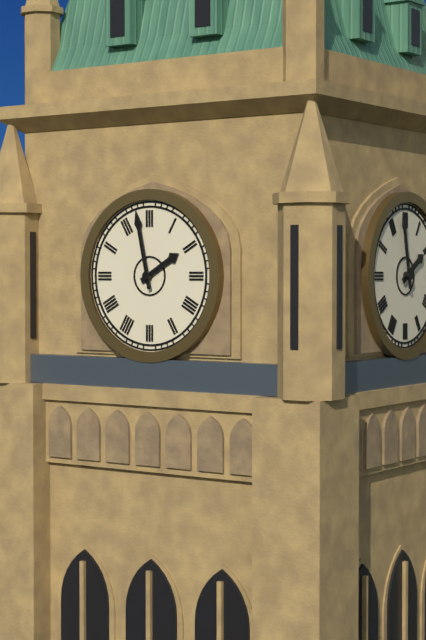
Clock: 1:58
